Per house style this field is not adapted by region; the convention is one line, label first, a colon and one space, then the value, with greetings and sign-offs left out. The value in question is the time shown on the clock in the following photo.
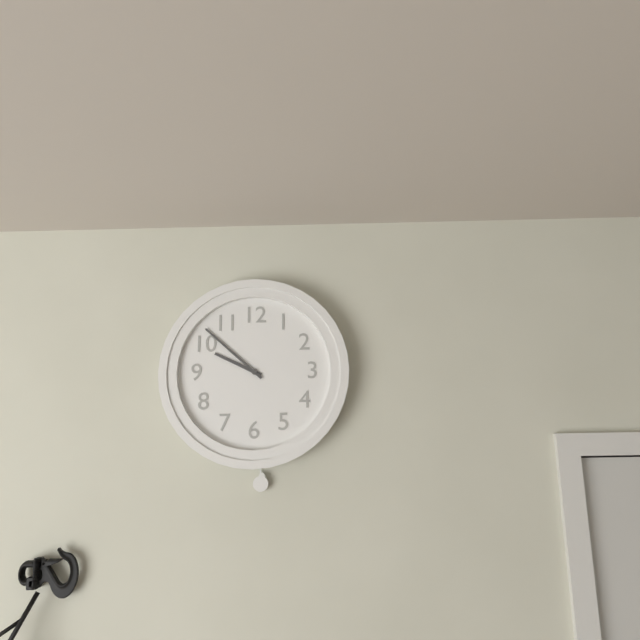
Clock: 9:52
